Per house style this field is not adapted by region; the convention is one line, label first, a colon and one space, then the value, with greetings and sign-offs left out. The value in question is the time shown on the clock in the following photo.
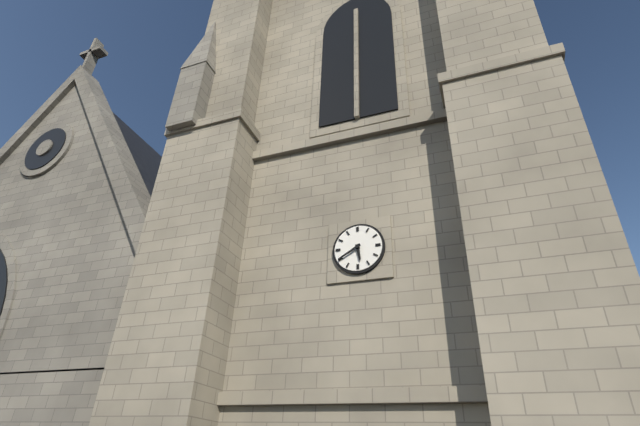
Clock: 5:40
